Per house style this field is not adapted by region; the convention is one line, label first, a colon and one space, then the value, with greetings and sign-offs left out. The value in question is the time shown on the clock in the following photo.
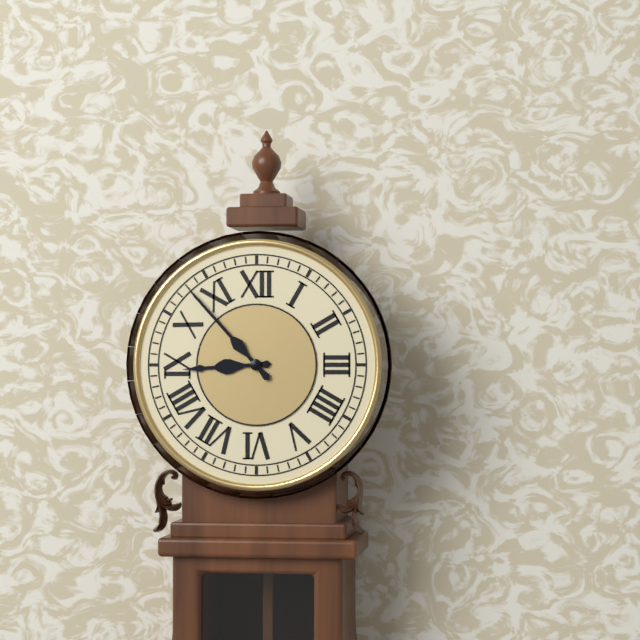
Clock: 8:53
